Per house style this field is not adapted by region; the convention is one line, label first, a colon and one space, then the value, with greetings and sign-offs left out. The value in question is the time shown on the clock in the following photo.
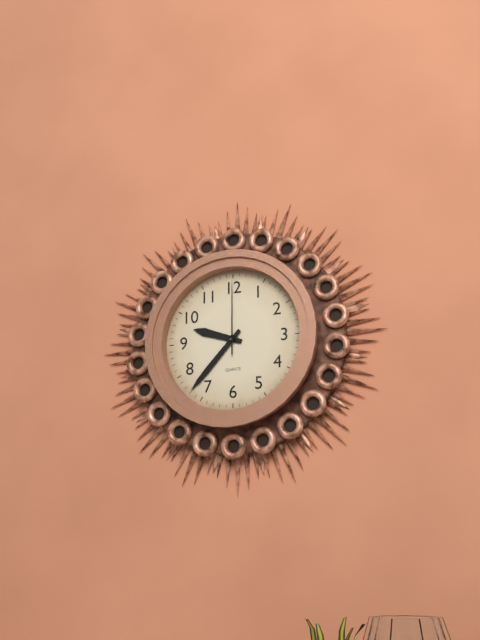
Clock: 9:37:00
